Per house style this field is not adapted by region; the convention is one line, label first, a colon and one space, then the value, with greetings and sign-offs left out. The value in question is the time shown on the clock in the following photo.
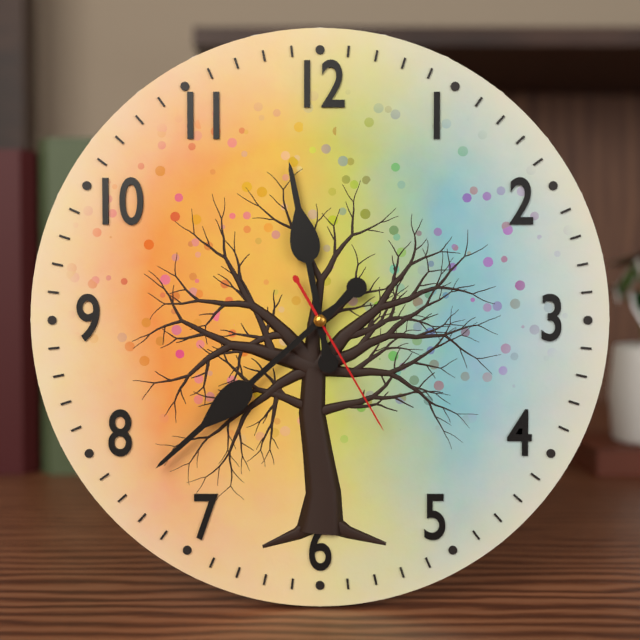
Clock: 11:38:25
